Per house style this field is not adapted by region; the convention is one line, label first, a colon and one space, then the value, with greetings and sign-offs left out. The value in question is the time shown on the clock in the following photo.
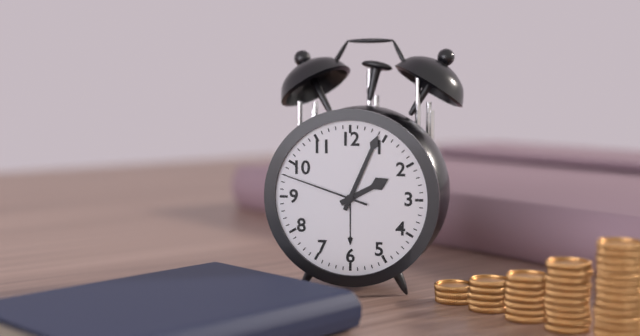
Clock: 2:04:48
